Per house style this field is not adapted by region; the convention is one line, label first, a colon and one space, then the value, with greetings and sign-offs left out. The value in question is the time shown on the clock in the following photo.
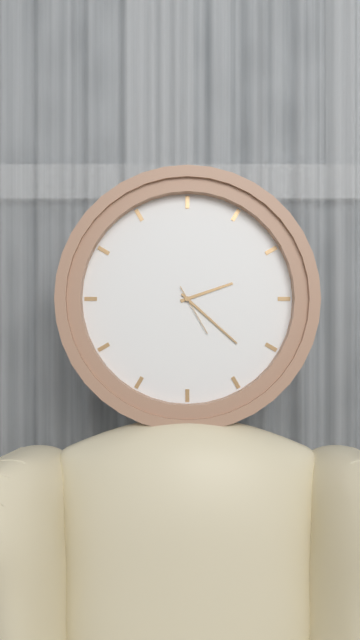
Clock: 2:22:25
